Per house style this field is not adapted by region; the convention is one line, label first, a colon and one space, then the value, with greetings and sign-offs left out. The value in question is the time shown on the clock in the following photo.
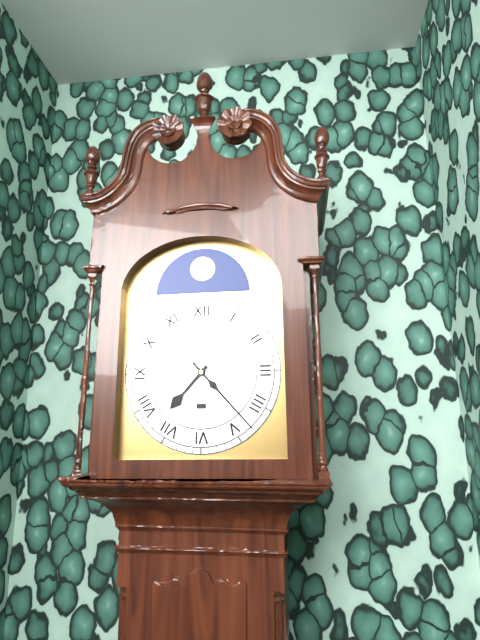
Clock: 7:23
